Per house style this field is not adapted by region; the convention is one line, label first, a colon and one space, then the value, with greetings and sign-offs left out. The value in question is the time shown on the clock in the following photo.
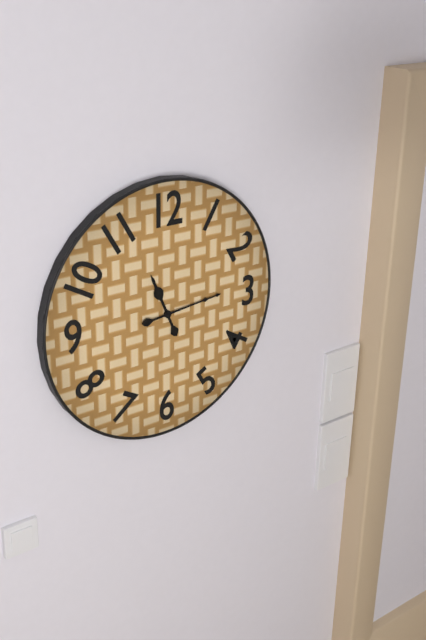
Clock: 11:14
